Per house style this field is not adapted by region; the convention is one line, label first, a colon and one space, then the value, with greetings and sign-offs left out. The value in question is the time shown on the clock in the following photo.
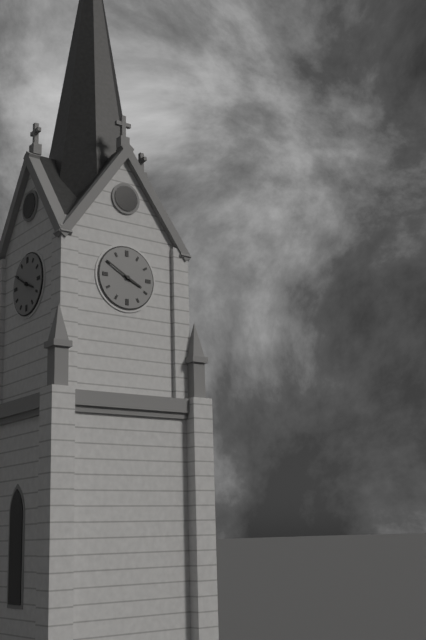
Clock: 3:50
